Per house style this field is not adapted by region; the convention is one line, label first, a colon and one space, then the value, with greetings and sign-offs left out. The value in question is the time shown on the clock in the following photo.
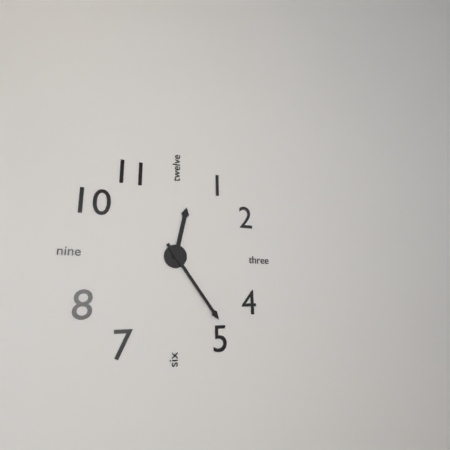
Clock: 12:24
